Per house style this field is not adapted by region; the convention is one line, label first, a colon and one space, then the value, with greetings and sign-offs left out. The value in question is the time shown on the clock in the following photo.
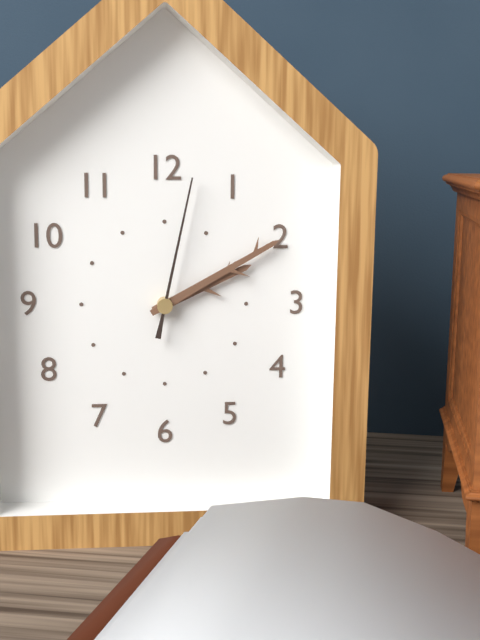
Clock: 2:10:02
